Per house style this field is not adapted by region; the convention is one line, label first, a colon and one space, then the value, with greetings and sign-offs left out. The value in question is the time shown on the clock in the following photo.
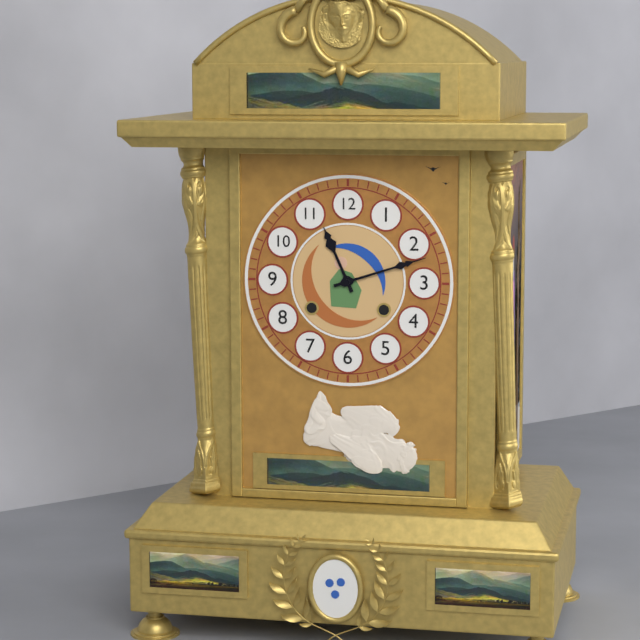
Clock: 11:12
